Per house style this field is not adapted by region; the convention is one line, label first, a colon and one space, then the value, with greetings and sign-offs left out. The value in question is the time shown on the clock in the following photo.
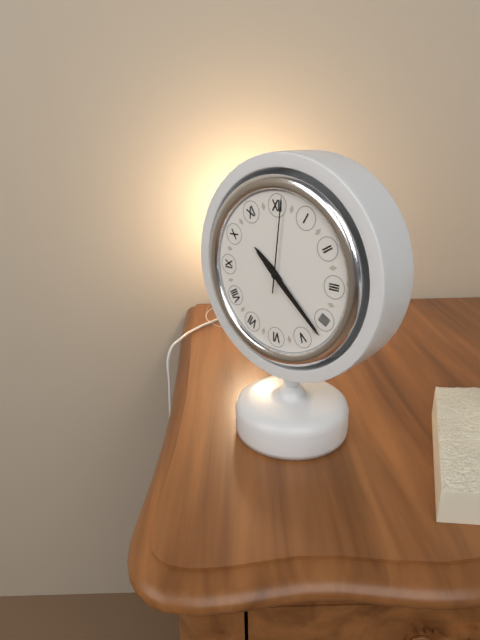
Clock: 10:22:01
